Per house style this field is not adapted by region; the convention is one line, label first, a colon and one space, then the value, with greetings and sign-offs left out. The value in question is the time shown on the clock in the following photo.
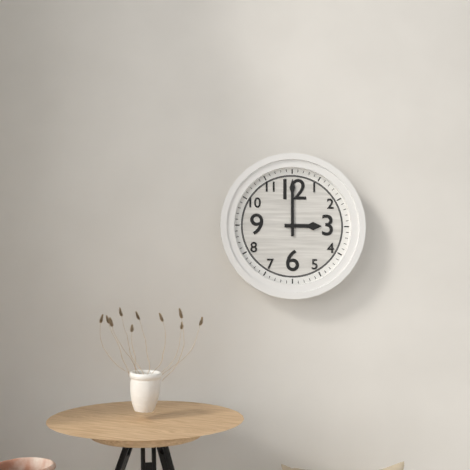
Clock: 3:00
